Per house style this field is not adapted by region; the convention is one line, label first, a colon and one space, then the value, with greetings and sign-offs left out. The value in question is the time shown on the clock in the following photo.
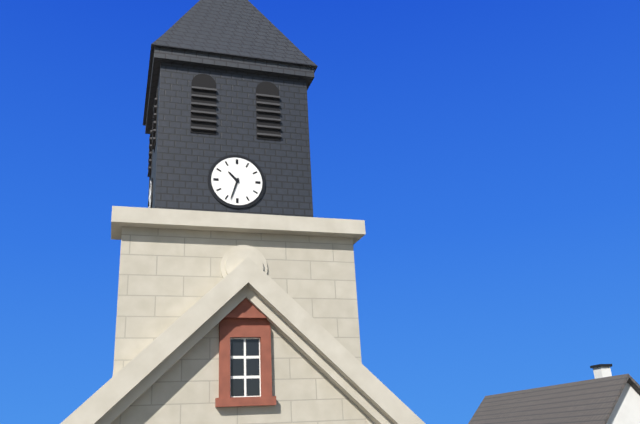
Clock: 10:33
